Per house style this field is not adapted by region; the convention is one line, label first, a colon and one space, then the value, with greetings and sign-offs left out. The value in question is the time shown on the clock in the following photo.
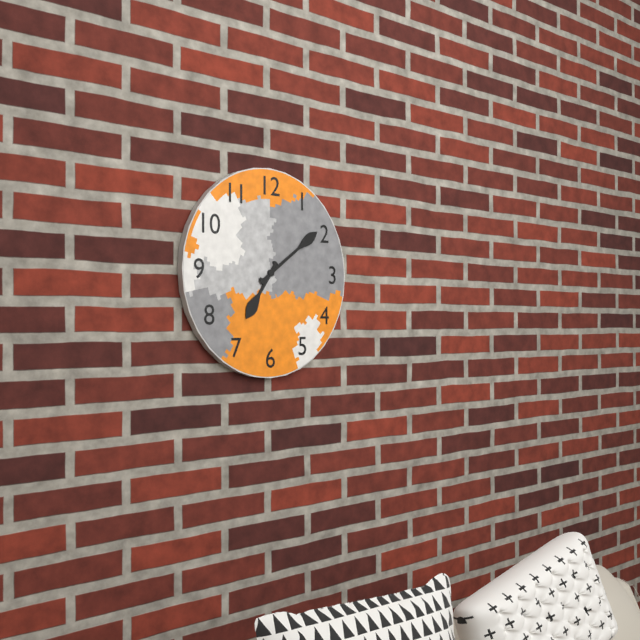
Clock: 7:09
